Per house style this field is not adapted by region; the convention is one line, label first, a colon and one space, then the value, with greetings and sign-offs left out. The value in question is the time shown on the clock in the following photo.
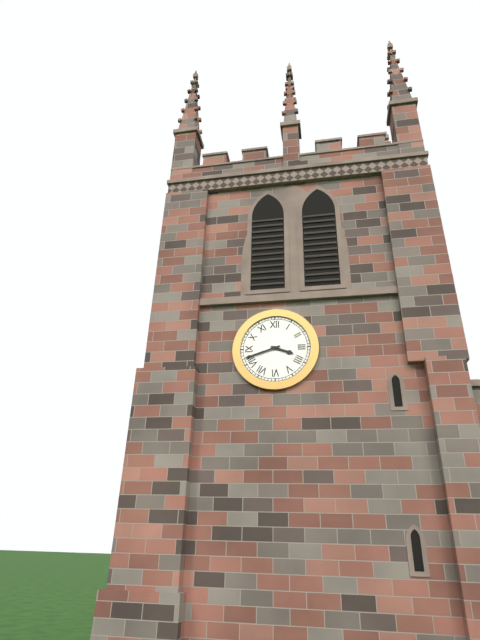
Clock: 3:42
